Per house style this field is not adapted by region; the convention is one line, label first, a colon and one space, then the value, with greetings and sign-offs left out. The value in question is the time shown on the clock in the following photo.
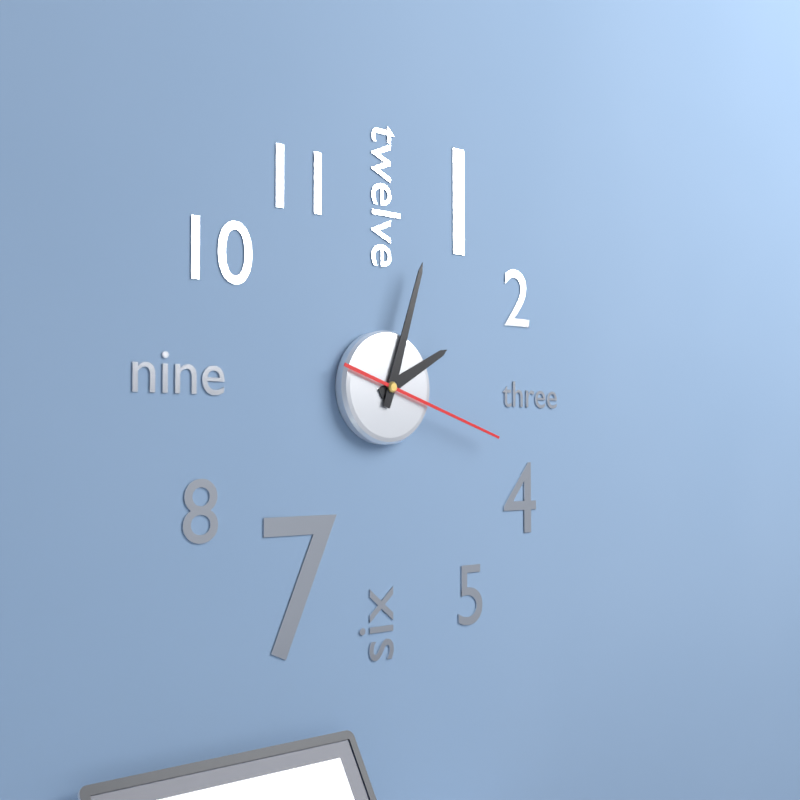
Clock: 2:03:18
